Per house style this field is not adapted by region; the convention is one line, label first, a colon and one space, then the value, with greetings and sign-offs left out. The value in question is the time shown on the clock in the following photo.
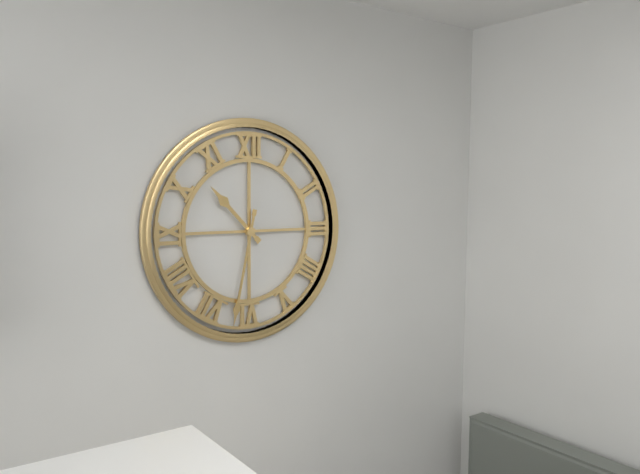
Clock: 10:32
